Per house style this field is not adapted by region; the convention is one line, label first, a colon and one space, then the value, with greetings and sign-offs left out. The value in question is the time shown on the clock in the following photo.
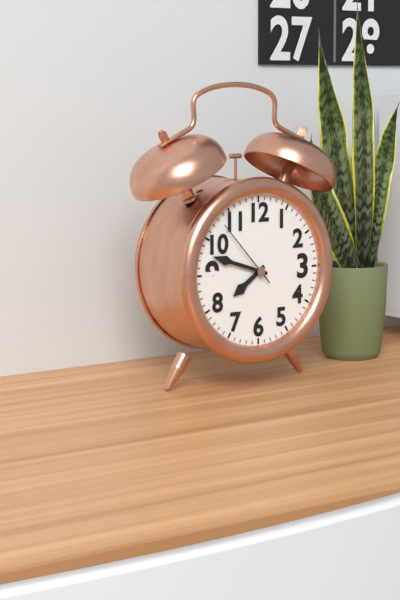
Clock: 7:48:53
